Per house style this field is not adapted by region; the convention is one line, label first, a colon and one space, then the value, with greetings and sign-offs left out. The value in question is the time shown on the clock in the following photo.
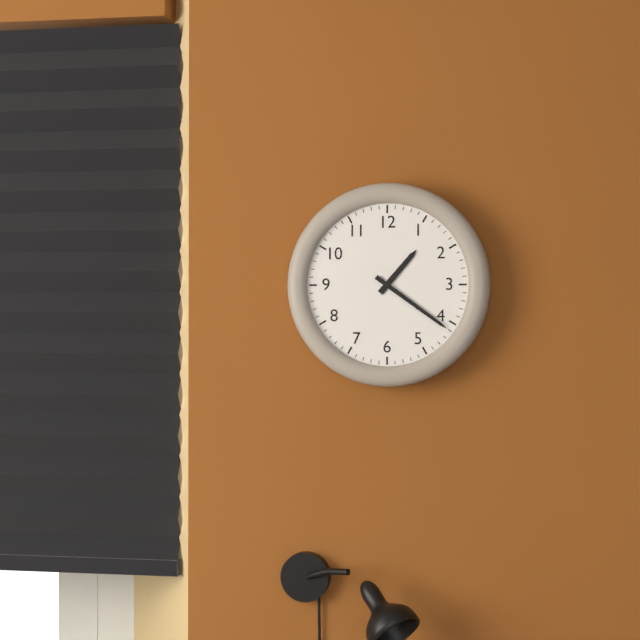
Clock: 1:21
